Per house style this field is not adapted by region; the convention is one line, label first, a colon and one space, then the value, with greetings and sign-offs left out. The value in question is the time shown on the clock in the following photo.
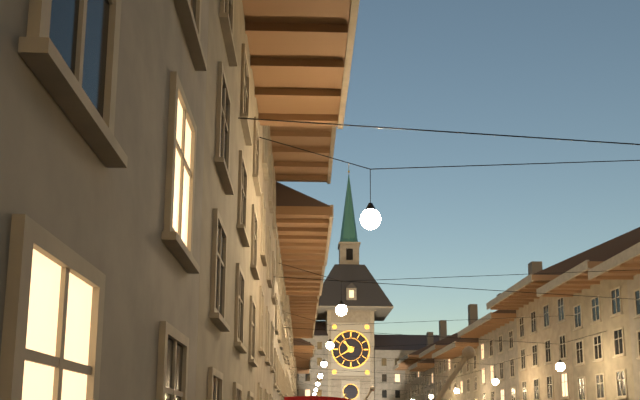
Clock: 10:40
